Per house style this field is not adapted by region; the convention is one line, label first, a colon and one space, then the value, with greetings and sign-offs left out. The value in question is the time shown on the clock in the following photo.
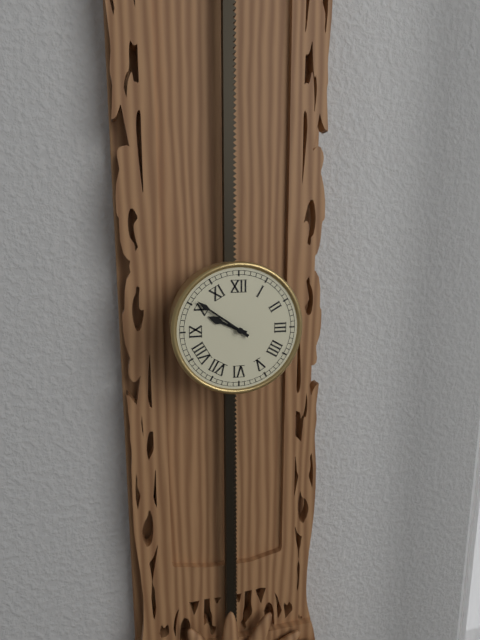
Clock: 9:51
